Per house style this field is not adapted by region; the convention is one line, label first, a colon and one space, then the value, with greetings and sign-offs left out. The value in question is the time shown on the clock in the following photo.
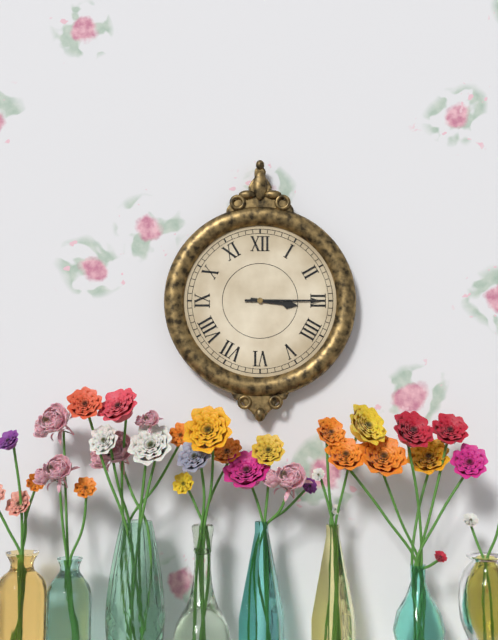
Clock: 3:15
